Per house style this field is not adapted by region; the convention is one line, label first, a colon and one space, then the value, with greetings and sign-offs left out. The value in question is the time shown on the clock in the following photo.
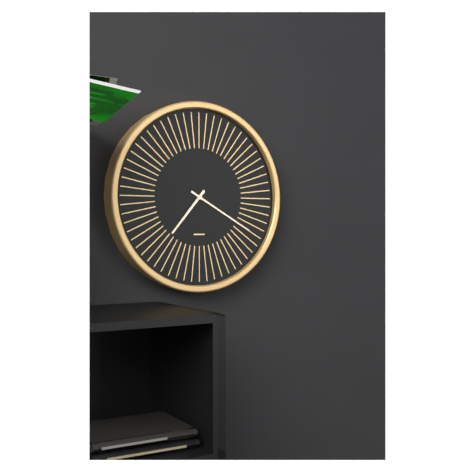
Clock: 7:20
